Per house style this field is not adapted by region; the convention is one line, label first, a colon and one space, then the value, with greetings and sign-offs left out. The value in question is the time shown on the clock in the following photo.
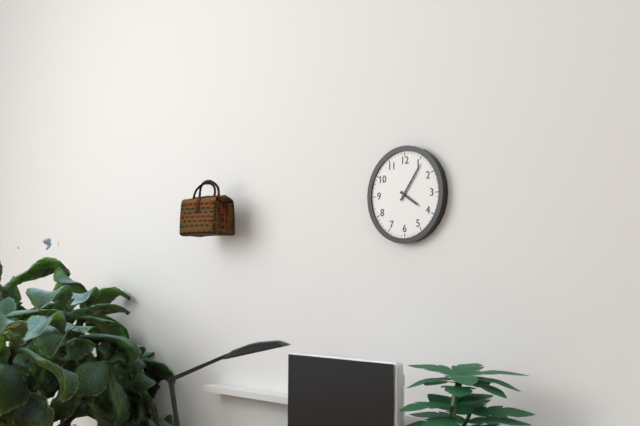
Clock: 4:06
